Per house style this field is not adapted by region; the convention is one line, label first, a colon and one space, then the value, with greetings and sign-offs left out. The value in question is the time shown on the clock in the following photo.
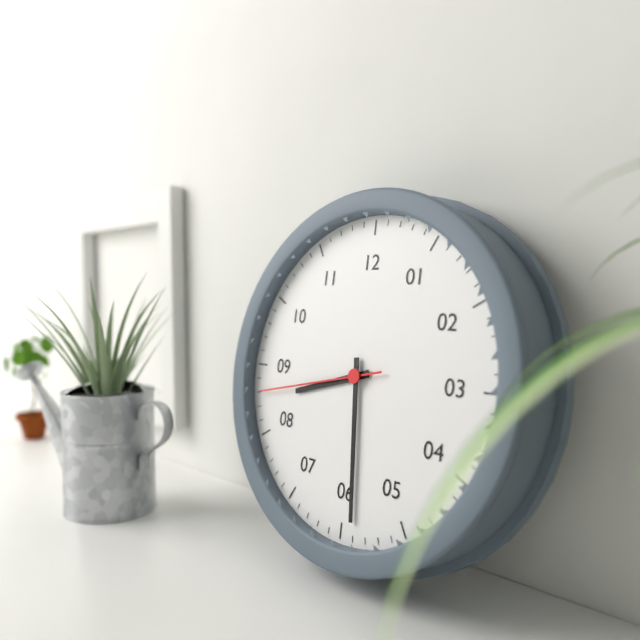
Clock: 8:29:43
